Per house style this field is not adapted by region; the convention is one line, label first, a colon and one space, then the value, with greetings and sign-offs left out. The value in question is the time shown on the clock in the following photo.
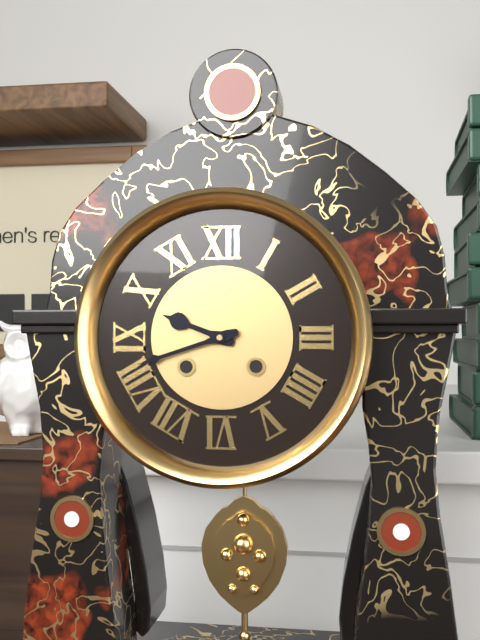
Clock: 9:42
